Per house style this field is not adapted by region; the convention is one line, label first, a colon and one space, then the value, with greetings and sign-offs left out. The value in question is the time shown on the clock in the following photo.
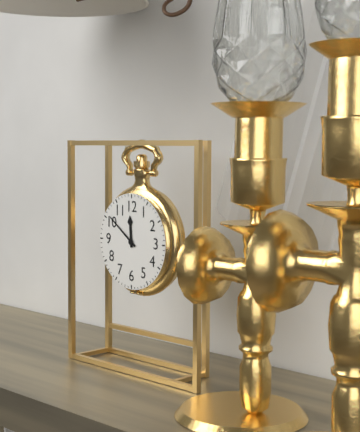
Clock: 11:51
